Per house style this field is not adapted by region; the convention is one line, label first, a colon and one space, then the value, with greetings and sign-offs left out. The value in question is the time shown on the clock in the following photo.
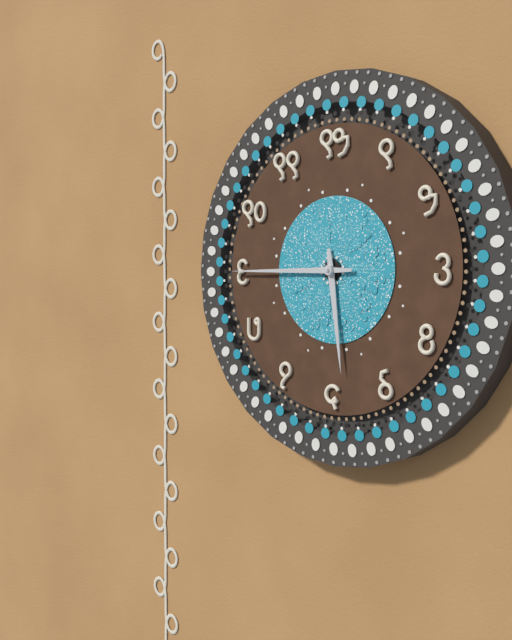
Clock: 5:45
